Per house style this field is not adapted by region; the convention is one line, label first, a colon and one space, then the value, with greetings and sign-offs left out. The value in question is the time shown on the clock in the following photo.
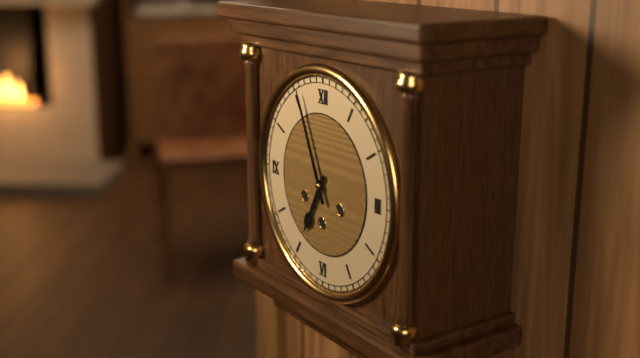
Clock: 6:56
